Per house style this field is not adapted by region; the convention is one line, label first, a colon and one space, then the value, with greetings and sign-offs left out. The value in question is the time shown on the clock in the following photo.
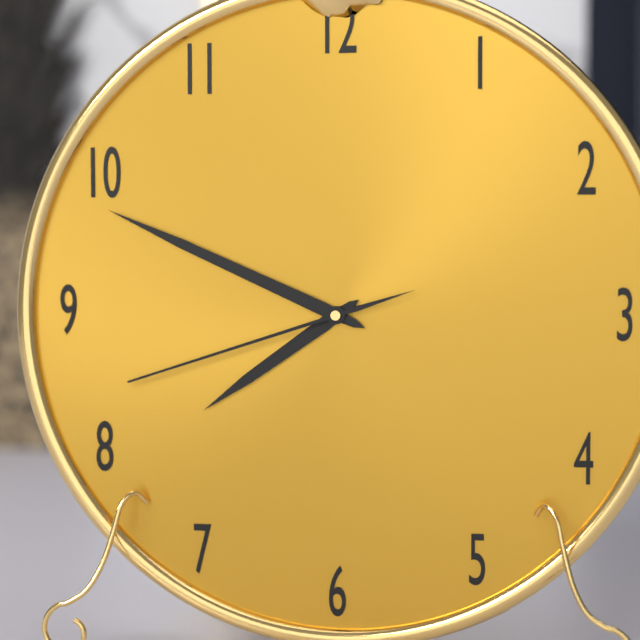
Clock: 7:49:42
